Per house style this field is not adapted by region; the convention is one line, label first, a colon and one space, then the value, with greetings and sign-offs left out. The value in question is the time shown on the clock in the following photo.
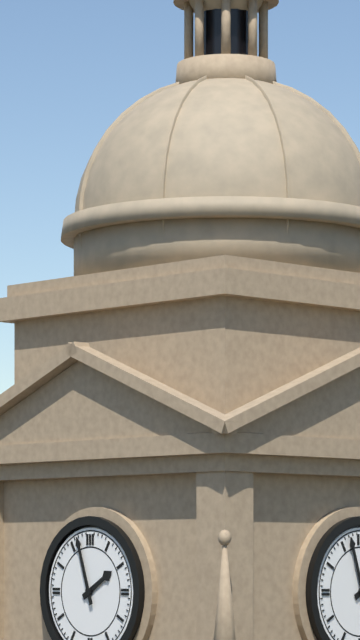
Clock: 1:57
